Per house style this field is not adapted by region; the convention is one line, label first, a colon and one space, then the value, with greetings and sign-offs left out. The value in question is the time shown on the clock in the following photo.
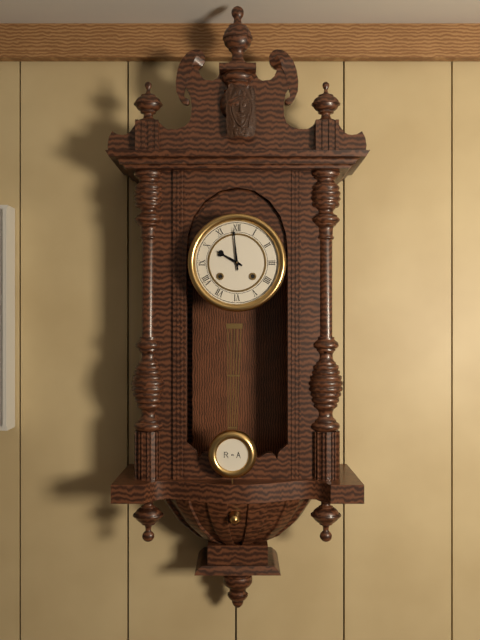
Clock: 9:59
